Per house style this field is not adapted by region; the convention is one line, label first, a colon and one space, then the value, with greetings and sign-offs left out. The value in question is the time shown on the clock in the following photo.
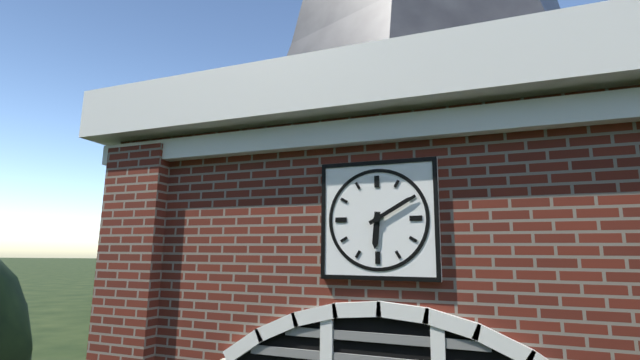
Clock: 6:10
